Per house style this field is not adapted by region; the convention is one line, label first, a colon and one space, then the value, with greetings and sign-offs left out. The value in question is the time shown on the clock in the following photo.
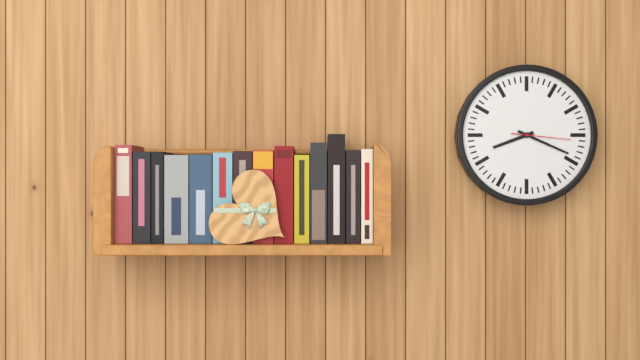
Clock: 8:19:16
